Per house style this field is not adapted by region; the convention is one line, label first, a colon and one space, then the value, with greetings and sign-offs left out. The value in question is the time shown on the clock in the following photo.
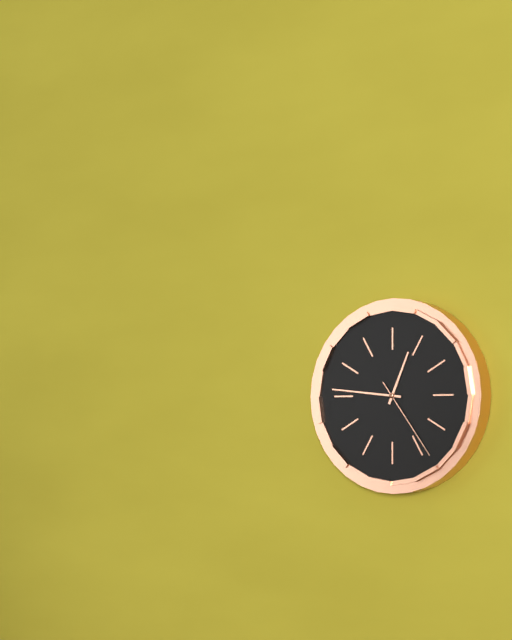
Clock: 12:46:24
